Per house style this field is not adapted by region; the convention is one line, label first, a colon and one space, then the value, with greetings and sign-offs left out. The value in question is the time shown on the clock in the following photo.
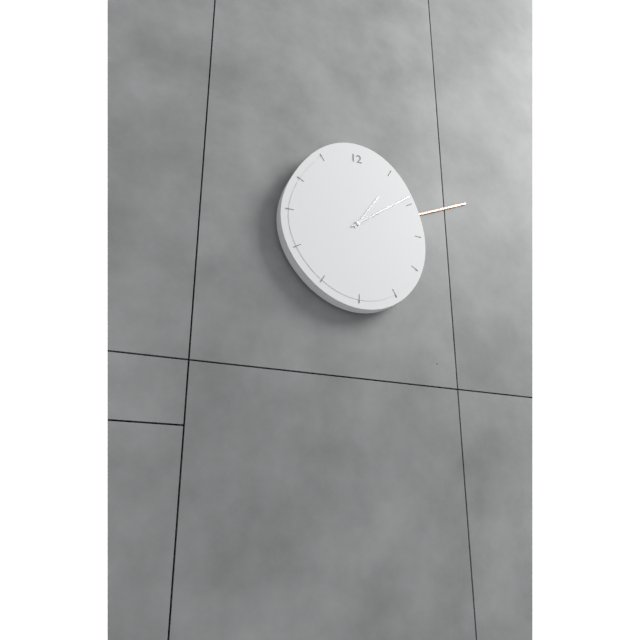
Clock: 1:09:11
